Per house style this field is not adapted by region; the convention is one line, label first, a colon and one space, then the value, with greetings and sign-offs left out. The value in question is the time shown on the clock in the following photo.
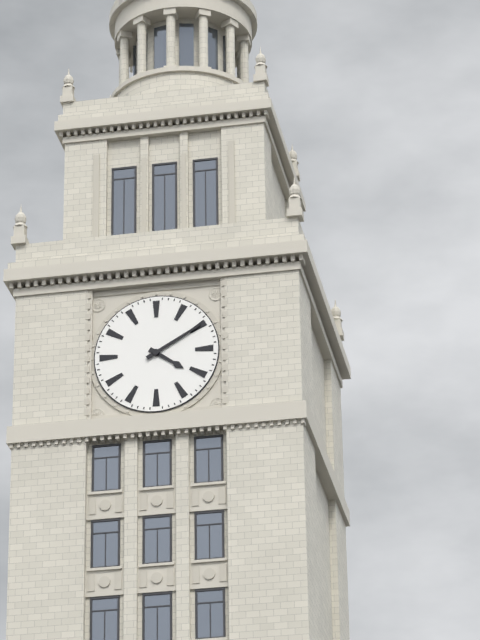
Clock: 4:10
